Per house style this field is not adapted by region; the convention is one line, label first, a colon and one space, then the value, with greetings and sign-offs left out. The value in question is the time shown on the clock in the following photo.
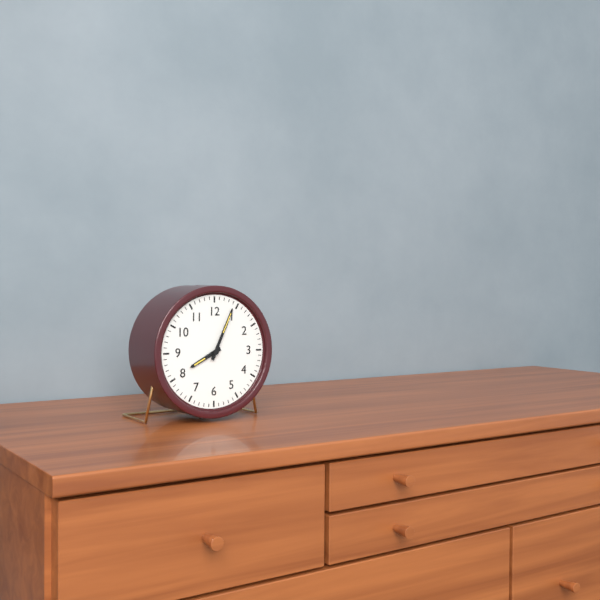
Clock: 8:04
